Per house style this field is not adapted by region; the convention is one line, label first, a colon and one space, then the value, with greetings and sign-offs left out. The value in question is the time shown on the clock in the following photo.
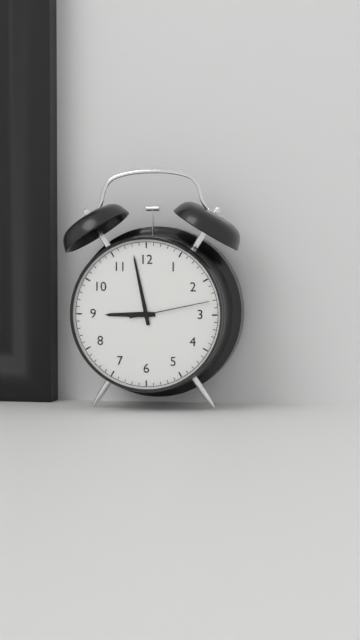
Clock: 8:58:13
